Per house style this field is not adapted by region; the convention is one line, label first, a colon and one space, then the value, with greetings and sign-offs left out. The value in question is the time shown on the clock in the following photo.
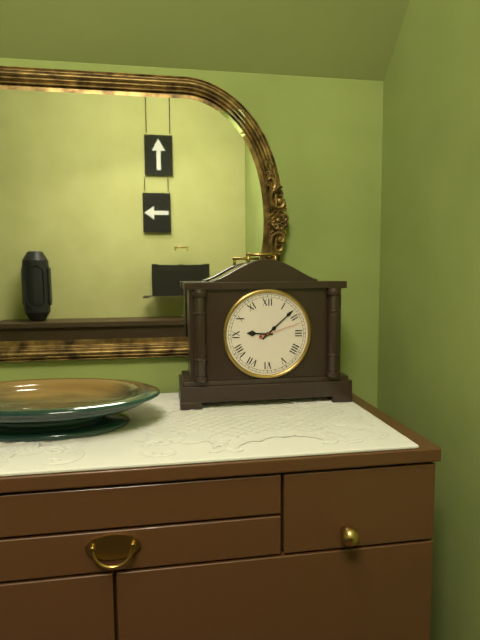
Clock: 9:08
